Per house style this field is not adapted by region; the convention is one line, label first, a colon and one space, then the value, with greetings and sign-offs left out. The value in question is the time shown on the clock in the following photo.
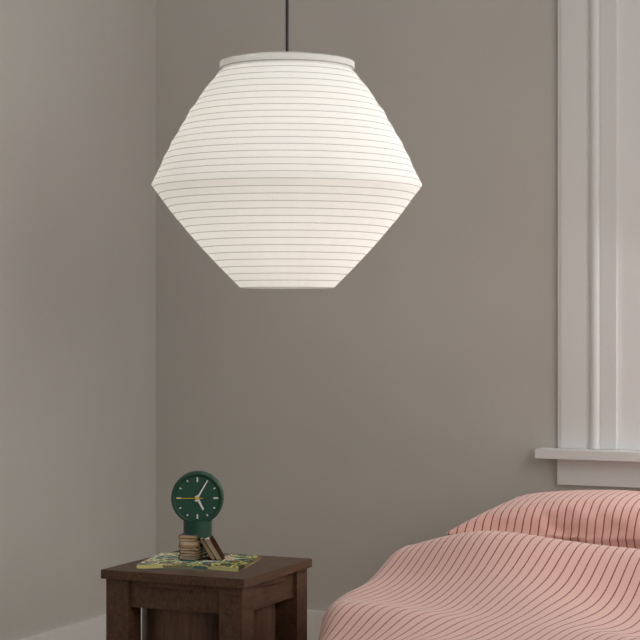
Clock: 5:05
